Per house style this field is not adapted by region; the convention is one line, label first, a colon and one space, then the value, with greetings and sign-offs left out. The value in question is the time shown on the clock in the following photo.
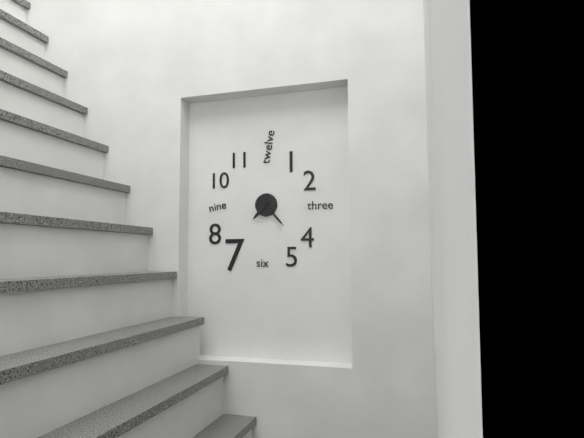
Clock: 7:23
